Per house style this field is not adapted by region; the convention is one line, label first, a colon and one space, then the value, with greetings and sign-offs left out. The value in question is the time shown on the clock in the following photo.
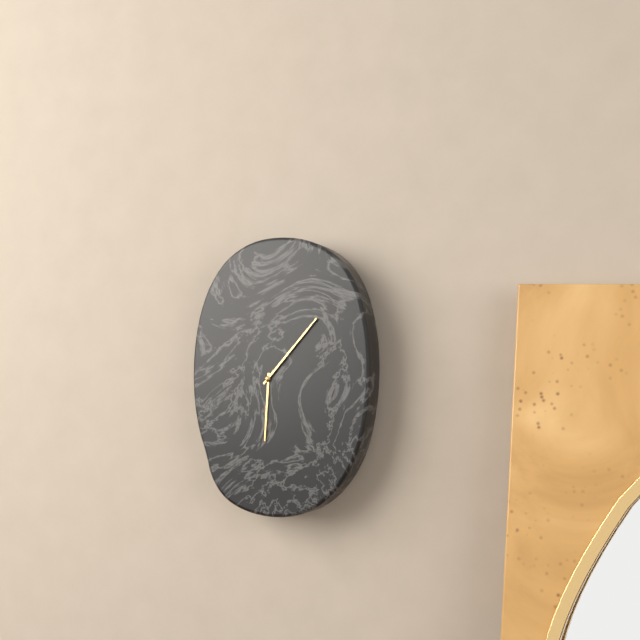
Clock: 6:07
